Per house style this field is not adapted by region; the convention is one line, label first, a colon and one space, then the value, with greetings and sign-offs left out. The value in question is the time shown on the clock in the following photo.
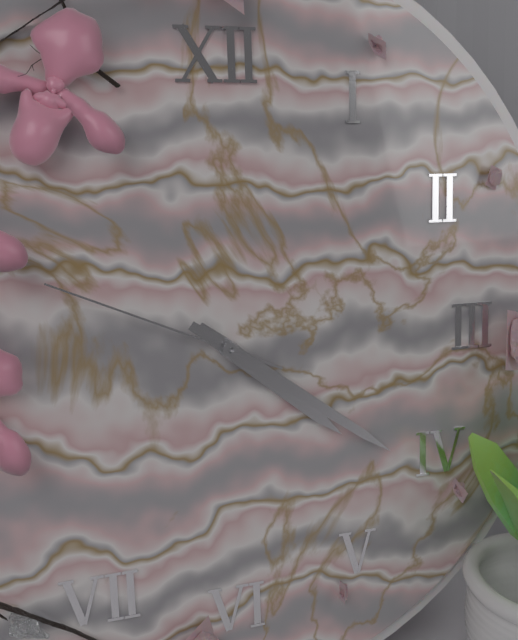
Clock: 4:21:49
